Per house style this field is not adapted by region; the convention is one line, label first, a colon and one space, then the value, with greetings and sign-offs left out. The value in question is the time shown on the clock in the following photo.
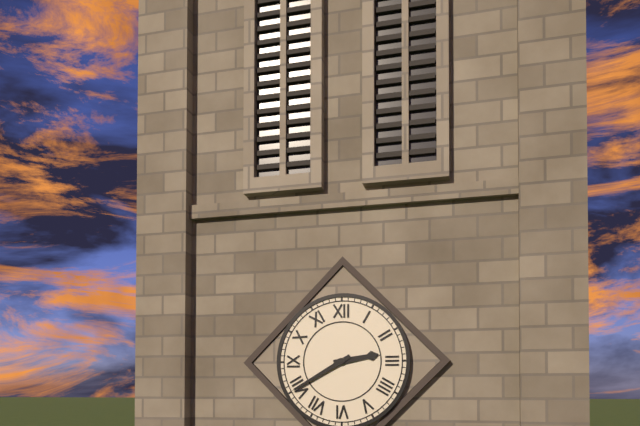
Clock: 2:40
